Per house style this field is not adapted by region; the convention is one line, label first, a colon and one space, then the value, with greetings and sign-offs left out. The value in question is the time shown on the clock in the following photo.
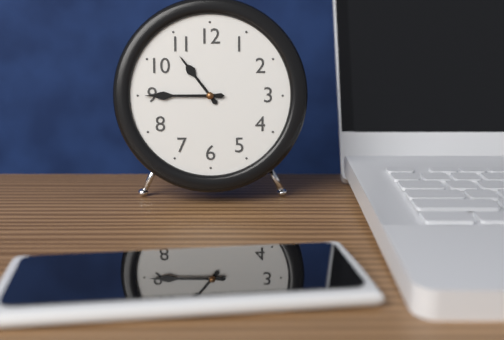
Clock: 10:45
